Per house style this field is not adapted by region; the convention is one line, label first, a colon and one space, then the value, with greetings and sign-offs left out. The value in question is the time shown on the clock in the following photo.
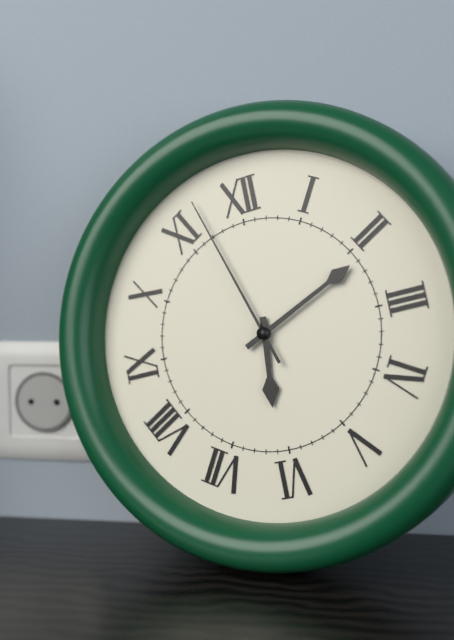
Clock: 6:11:57
